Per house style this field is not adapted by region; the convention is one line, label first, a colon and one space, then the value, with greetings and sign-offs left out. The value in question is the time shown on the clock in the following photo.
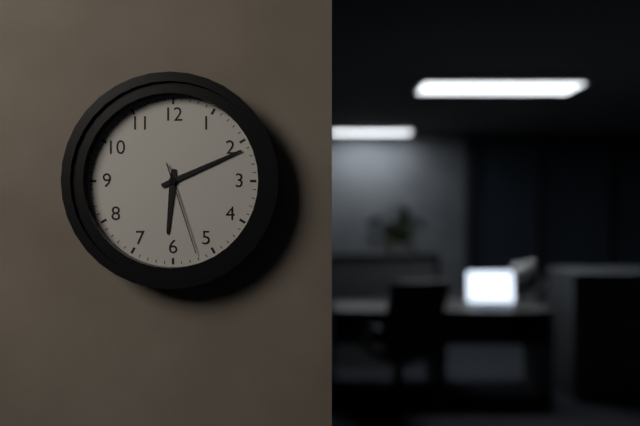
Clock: 6:11:27
